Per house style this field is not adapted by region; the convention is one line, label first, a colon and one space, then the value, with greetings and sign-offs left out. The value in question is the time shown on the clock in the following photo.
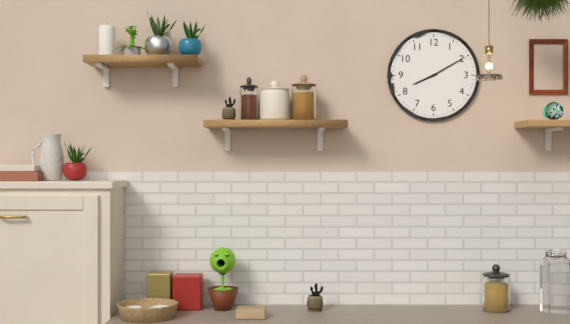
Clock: 8:10
